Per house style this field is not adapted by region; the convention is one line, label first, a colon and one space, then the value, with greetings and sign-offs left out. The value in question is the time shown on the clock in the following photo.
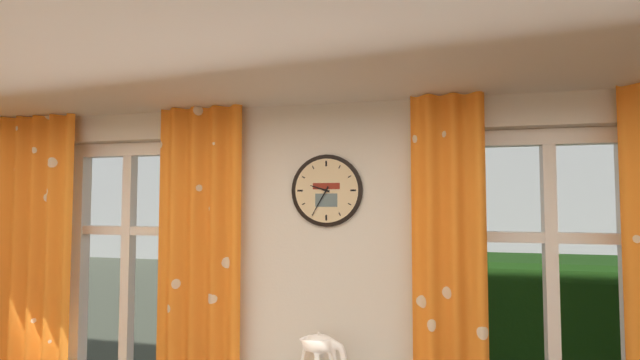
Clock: 9:35
